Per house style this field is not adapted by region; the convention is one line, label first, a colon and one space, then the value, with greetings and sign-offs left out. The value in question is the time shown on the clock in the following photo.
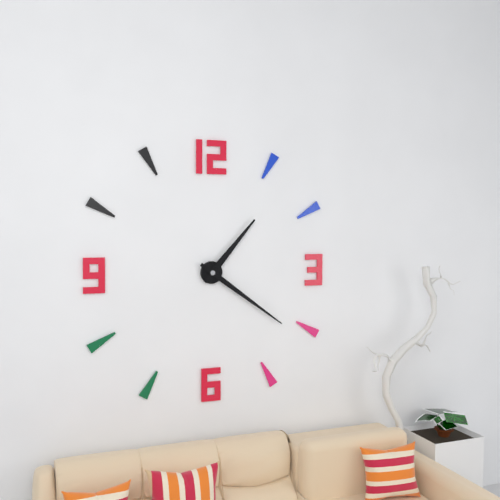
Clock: 1:21
